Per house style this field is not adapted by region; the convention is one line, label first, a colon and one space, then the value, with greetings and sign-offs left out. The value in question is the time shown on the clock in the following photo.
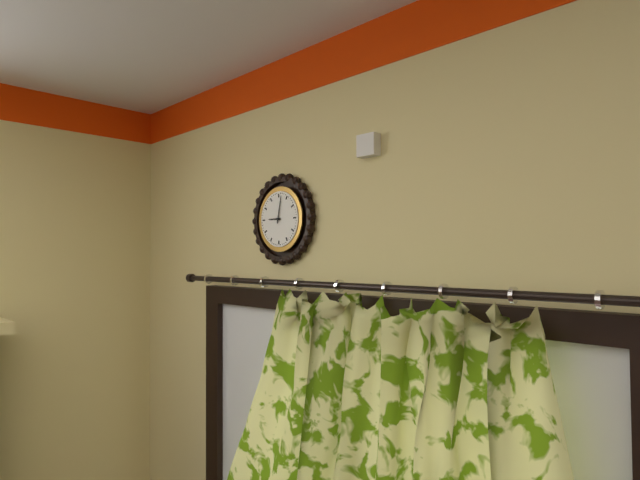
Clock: 9:02
